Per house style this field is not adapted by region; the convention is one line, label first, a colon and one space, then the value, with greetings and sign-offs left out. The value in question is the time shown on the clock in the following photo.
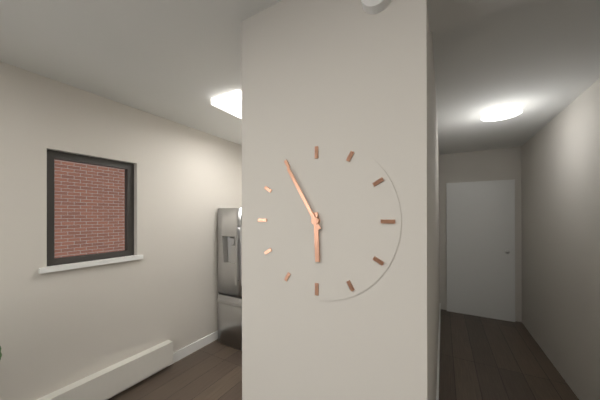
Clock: 5:55
